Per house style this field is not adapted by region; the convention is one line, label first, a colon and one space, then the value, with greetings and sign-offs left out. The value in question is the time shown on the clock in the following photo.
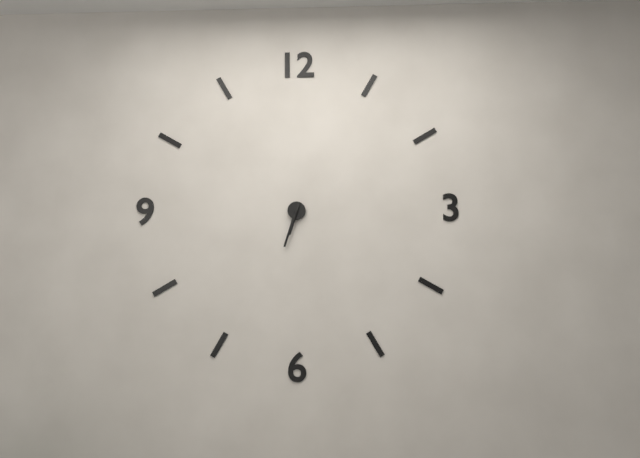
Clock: 6:33
